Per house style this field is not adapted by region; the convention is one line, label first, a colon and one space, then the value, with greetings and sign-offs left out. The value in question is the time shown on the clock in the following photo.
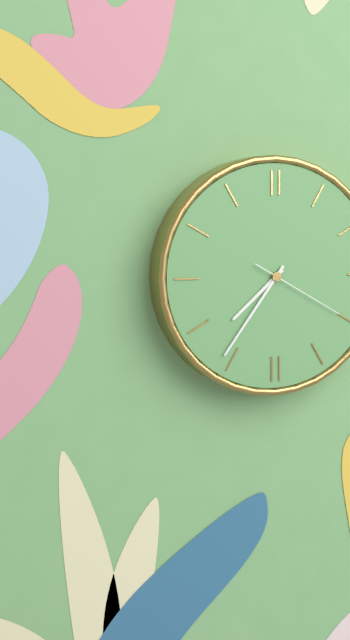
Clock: 7:36:20
